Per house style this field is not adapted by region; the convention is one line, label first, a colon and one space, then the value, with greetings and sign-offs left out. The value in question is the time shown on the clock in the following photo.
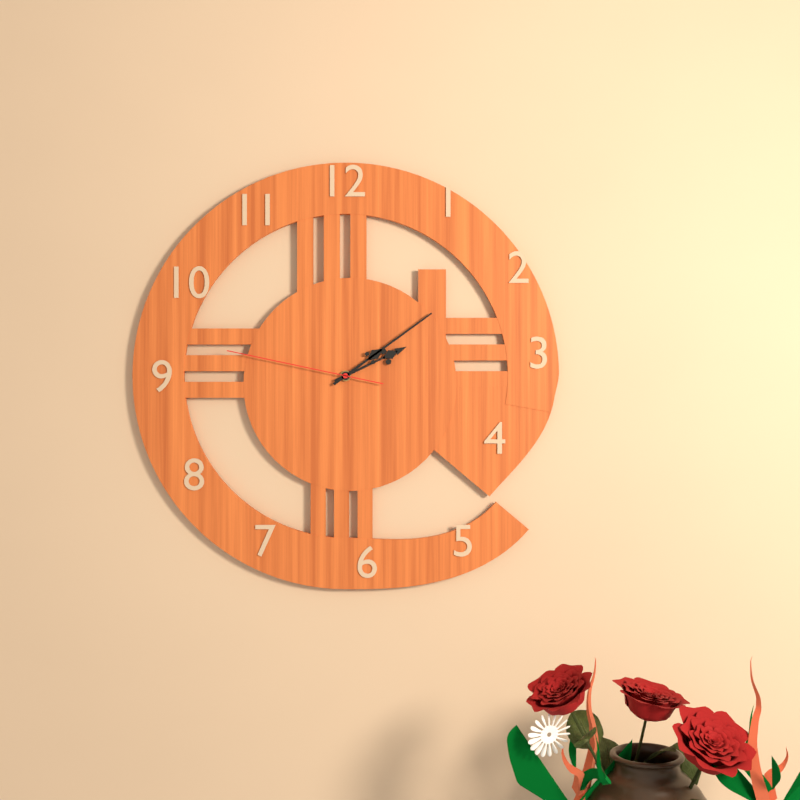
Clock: 2:09:47
